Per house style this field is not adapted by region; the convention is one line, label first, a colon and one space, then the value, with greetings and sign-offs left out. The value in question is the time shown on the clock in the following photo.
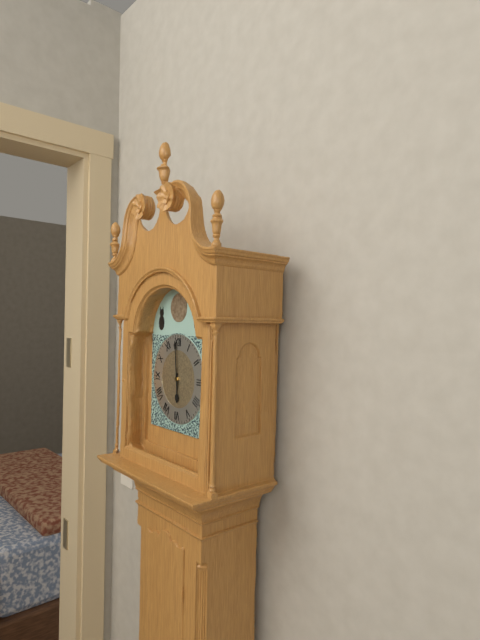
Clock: 5:59
